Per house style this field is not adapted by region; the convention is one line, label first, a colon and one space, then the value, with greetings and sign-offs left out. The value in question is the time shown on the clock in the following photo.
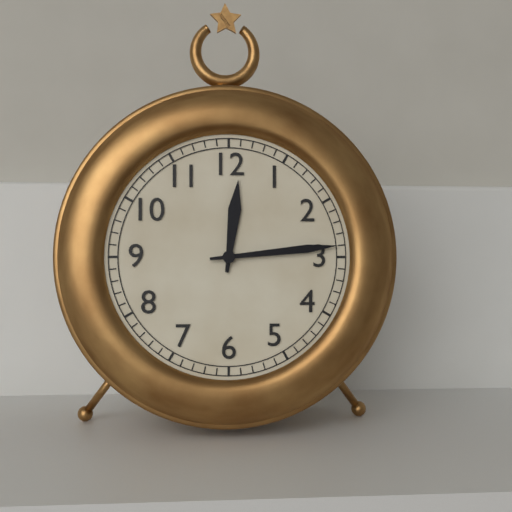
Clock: 12:14
